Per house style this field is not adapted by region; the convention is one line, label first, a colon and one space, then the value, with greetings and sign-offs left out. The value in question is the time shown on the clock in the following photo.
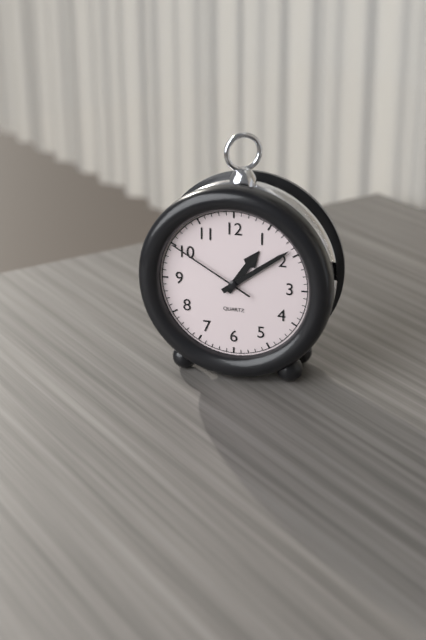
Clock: 1:09:50
